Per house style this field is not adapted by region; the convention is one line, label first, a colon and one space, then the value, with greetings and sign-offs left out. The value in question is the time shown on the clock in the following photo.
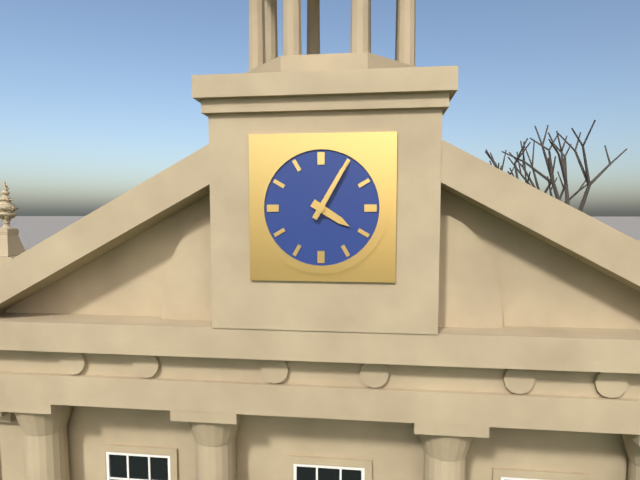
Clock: 4:05
